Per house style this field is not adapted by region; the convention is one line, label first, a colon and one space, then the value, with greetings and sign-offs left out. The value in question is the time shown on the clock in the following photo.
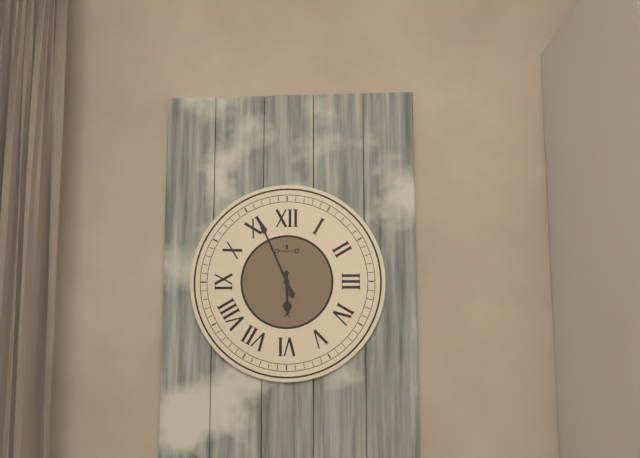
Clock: 5:56
